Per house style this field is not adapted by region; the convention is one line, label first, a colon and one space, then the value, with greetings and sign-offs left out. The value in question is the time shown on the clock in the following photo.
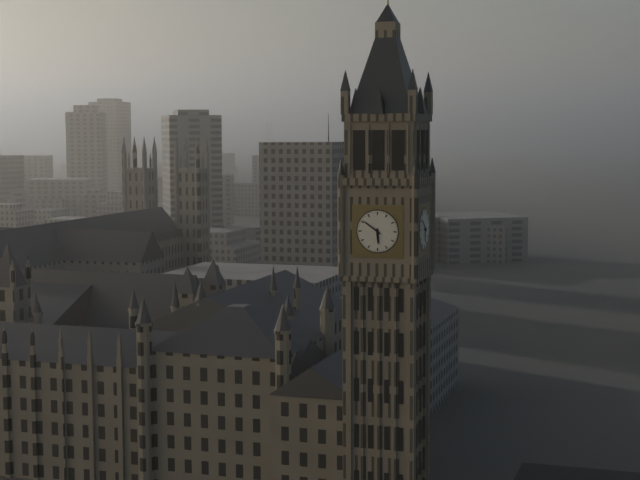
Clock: 5:51
